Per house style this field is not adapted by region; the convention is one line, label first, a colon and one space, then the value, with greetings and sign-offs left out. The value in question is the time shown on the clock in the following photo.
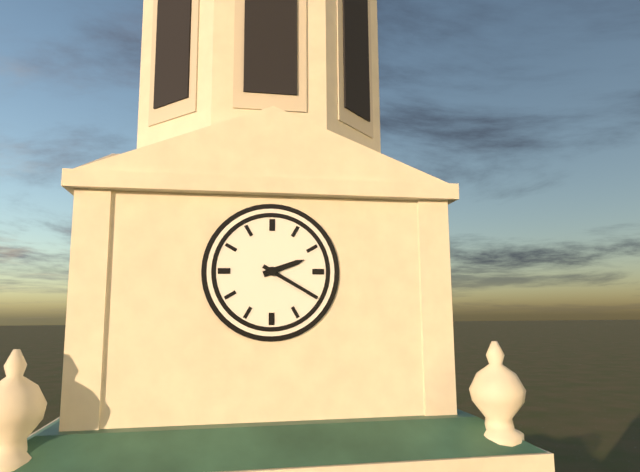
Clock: 2:20
